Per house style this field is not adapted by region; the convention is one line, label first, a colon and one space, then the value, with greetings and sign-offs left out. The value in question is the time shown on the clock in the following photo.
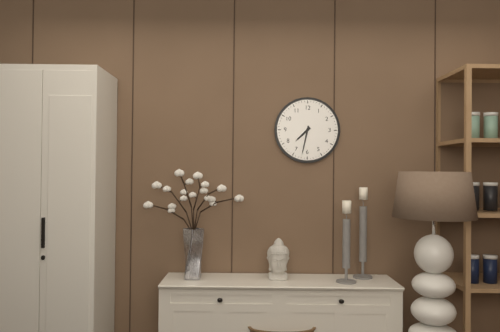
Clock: 7:32
